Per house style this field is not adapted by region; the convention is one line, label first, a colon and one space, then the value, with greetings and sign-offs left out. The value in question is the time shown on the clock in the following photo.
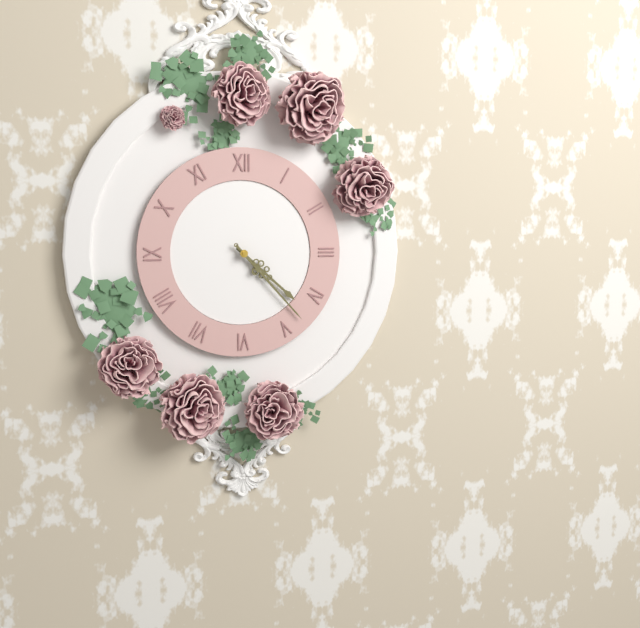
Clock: 4:23
